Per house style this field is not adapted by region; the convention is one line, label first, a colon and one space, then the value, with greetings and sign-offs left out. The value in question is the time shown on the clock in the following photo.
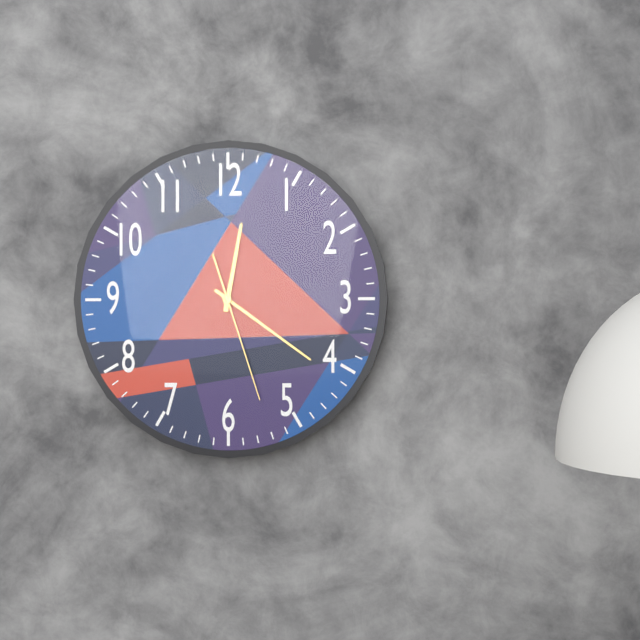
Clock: 12:21:27
